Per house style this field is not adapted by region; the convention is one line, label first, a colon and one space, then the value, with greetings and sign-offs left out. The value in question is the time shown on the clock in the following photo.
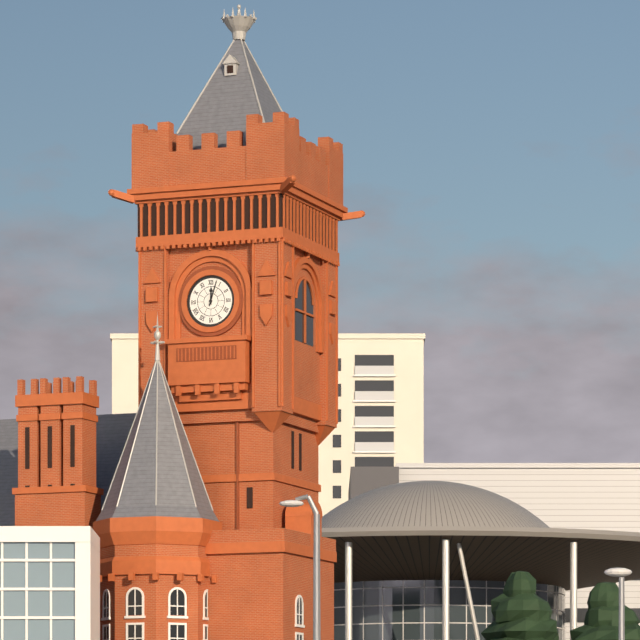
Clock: 12:03
